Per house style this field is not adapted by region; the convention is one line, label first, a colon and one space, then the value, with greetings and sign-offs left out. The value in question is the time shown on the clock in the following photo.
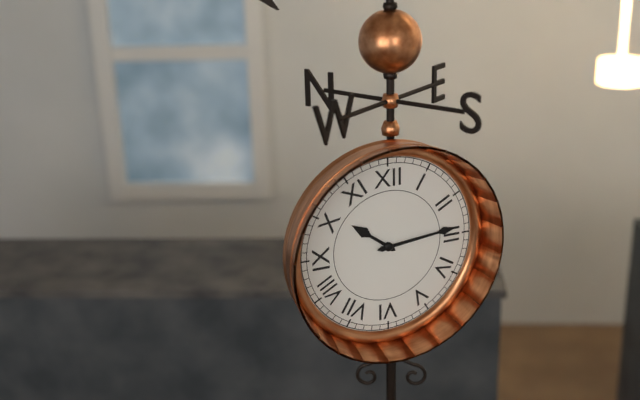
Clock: 10:14
